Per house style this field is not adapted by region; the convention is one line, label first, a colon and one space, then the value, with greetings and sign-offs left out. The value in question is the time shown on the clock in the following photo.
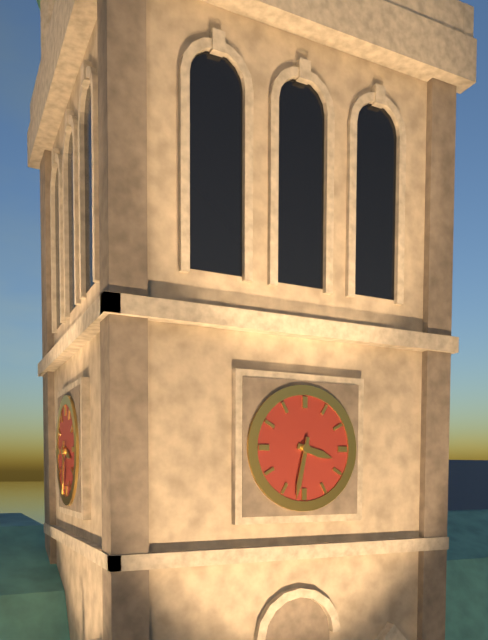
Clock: 3:32
